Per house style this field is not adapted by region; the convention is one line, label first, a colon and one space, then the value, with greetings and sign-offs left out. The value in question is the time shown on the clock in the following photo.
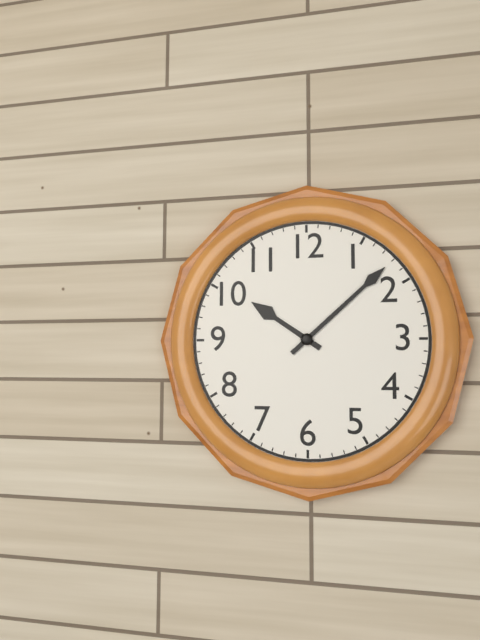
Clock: 10:08
